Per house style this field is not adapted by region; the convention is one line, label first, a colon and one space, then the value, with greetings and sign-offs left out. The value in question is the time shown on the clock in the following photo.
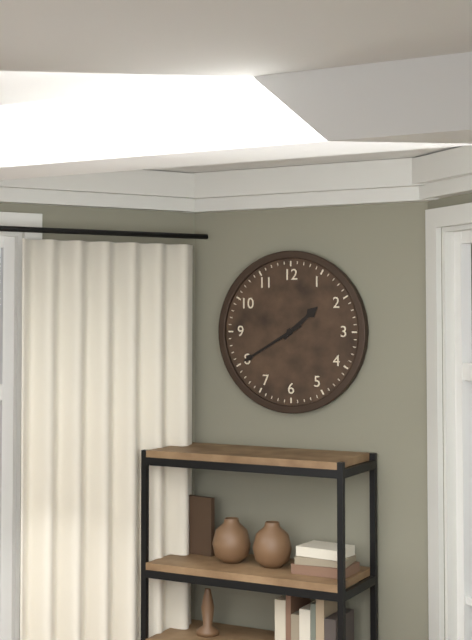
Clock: 1:40
